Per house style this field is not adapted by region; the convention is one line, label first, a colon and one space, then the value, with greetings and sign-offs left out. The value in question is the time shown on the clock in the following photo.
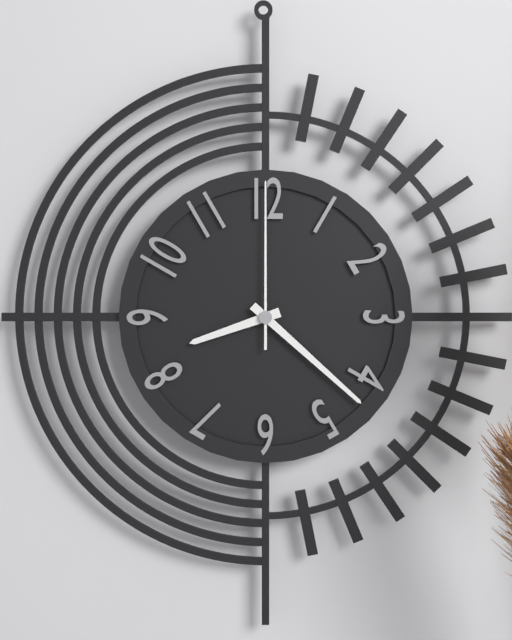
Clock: 8:22:00
